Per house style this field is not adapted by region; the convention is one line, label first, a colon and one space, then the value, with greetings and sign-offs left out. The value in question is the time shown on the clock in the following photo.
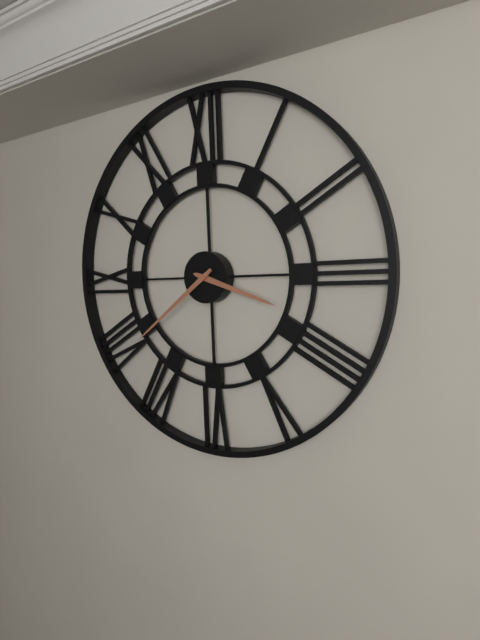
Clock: 3:39
